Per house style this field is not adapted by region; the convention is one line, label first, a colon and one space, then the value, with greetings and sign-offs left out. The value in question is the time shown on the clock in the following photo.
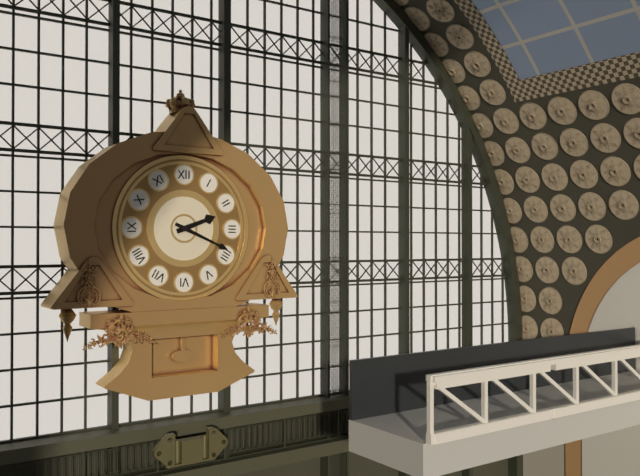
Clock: 2:19
